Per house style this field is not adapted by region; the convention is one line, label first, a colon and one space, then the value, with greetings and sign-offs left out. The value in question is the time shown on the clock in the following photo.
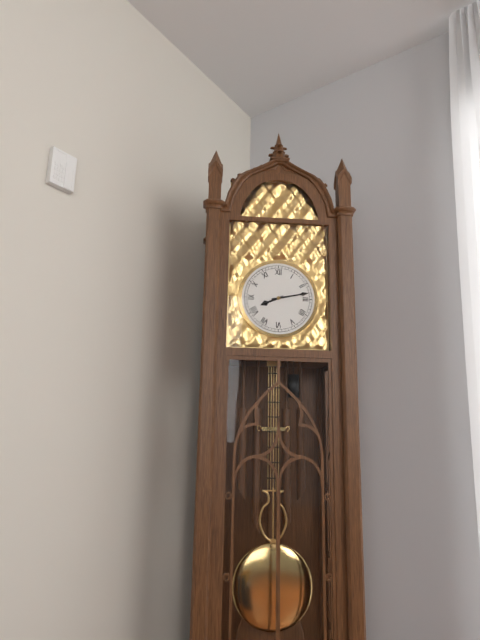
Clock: 8:13
